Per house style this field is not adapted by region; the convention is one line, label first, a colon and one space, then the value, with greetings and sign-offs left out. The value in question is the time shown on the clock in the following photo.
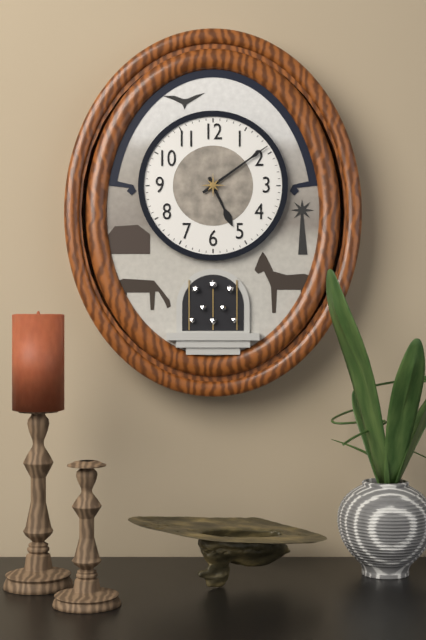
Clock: 5:09
